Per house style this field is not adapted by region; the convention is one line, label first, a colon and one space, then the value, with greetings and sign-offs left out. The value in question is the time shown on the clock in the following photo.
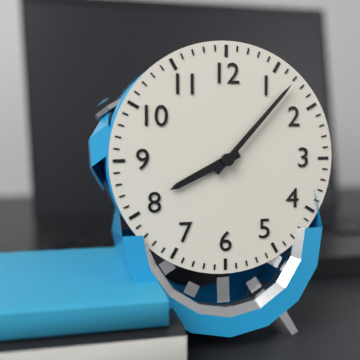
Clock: 8:07
